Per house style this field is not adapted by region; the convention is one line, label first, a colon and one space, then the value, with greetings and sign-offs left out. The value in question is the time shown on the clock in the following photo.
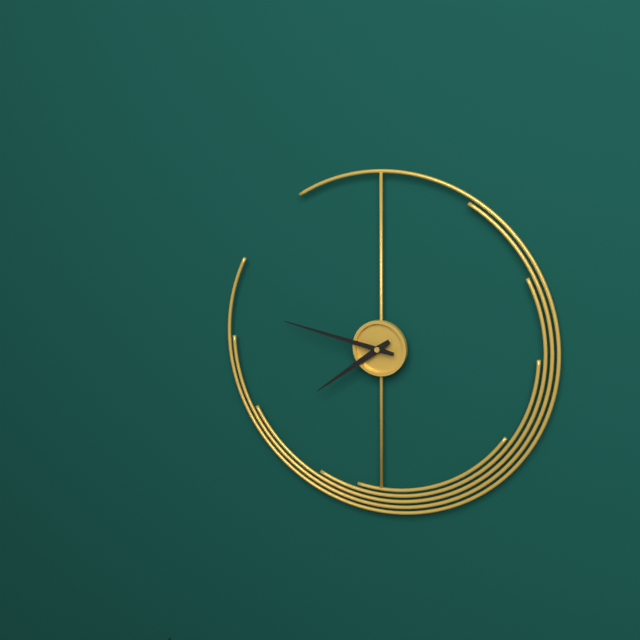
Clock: 7:47
